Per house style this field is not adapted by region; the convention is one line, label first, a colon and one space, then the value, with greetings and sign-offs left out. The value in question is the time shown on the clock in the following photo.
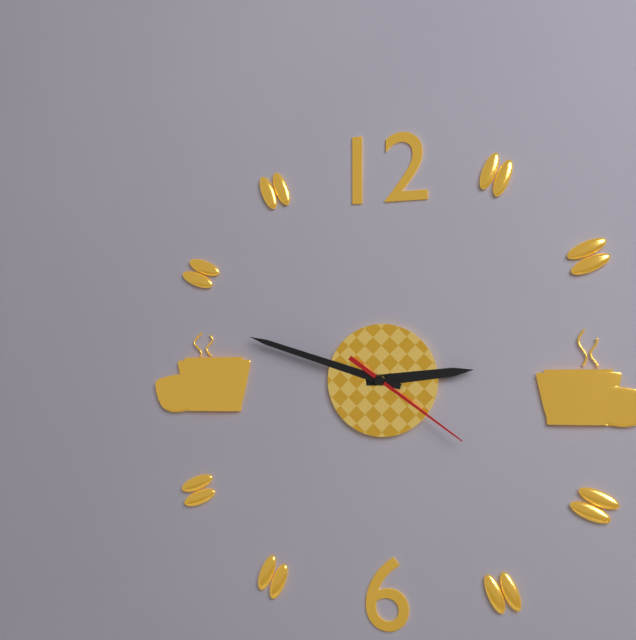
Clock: 2:48:21
